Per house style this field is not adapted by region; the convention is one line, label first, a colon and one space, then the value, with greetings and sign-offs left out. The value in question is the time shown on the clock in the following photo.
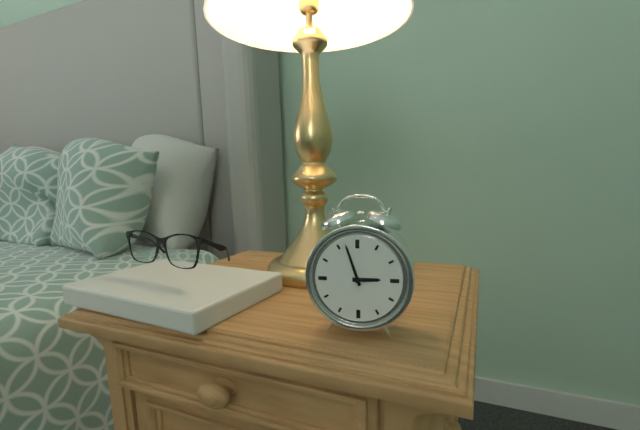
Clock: 2:57
